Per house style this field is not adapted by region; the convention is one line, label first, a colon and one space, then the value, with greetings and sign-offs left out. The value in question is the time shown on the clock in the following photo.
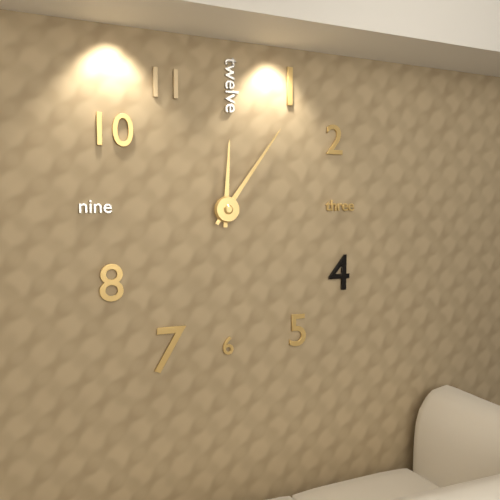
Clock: 12:06
